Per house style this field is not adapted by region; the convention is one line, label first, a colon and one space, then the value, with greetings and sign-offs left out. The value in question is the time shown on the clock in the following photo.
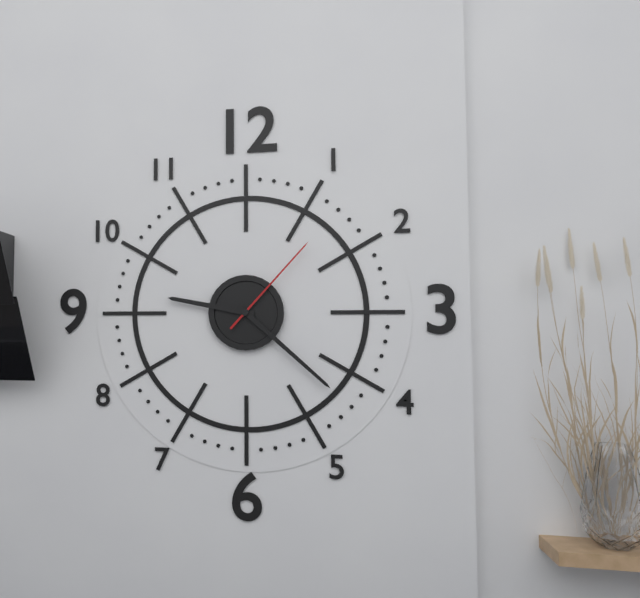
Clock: 9:22:07
